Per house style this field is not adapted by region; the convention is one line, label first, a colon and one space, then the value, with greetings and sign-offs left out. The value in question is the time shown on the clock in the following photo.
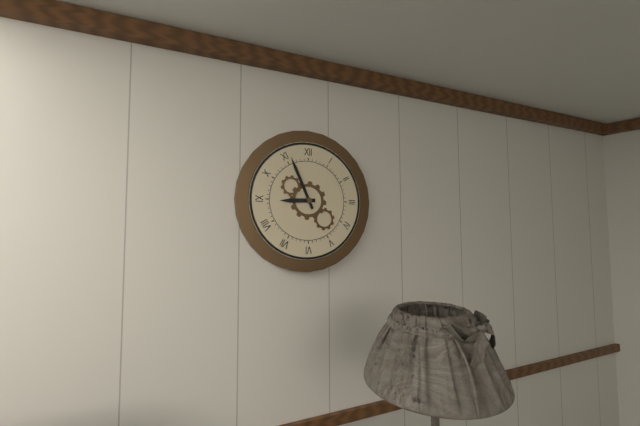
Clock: 8:56
